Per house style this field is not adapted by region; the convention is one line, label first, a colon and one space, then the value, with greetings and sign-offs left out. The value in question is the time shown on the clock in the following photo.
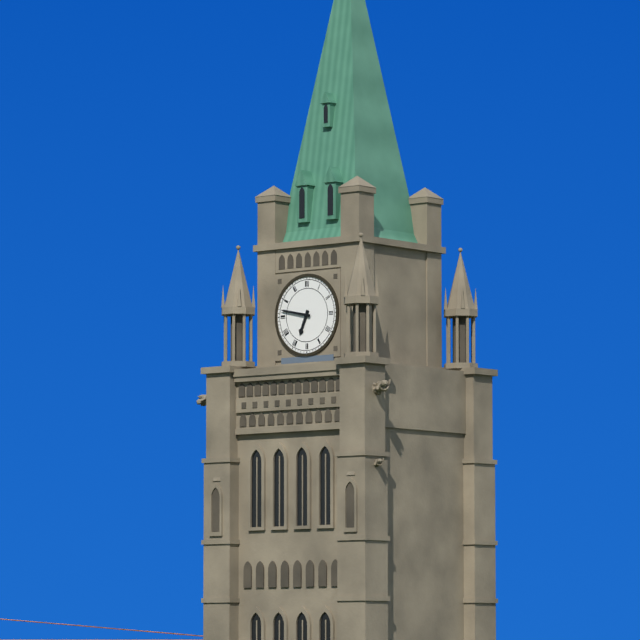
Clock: 6:47
